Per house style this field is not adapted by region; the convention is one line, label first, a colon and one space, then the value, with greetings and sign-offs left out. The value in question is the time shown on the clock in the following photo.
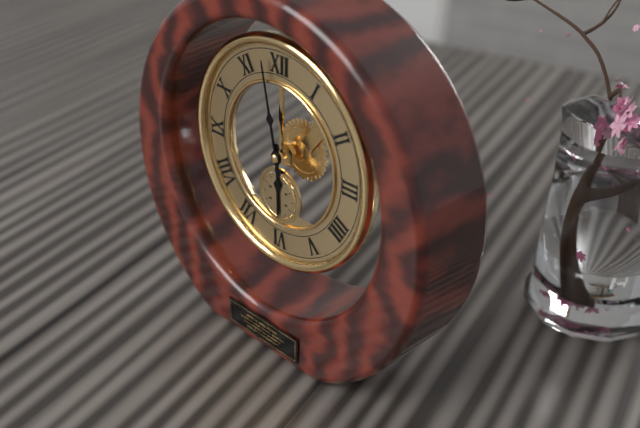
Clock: 5:58
